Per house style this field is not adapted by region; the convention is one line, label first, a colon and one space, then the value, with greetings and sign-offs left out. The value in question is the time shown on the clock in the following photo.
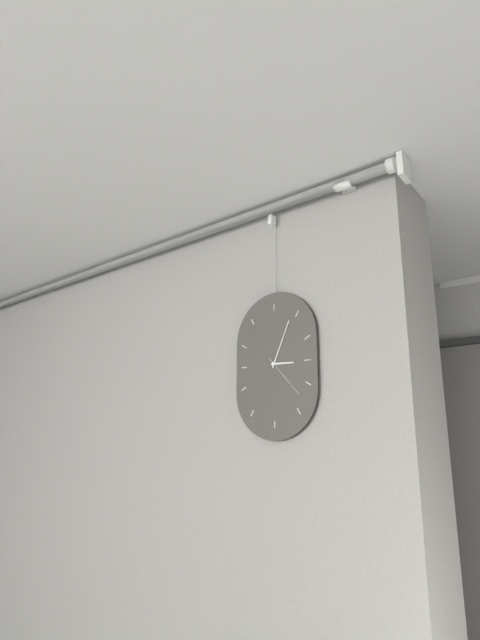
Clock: 3:04
